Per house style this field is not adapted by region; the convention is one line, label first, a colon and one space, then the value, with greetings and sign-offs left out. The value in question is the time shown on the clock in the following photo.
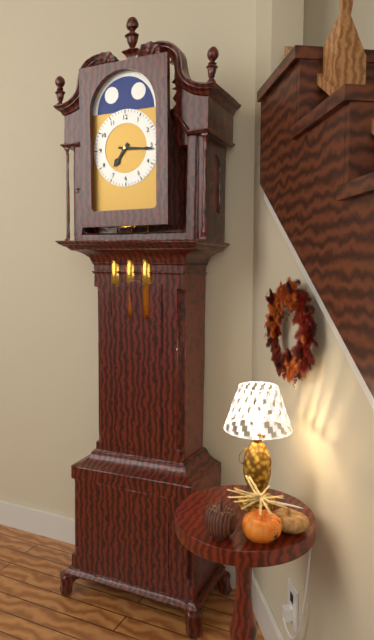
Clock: 7:16
